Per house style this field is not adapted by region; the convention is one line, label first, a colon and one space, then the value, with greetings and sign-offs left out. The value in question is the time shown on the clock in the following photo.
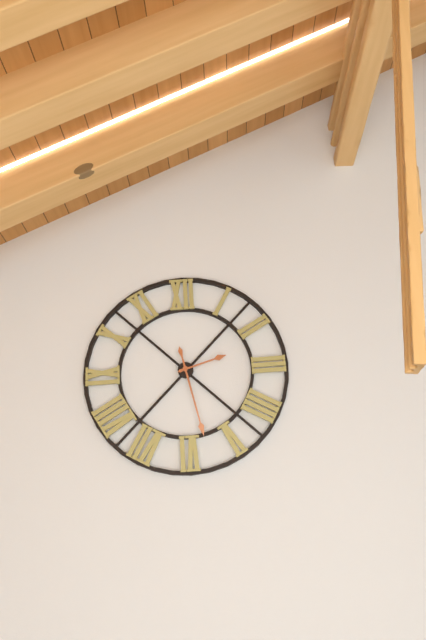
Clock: 2:28
